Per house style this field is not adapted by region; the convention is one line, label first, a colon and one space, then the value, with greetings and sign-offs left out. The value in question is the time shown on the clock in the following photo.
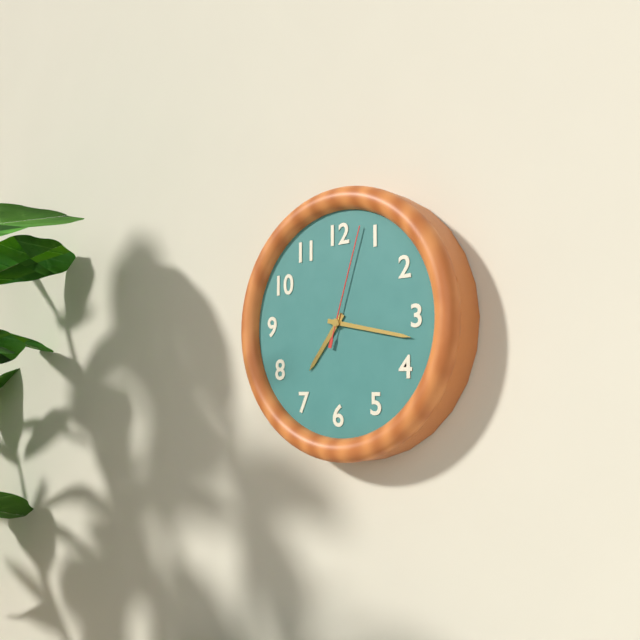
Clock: 7:17:03
